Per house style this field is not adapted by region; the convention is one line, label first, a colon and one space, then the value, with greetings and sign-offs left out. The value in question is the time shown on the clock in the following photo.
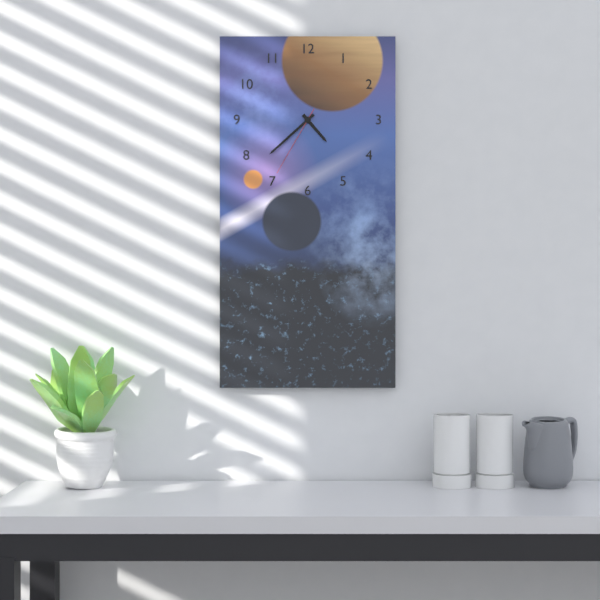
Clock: 4:38:35
